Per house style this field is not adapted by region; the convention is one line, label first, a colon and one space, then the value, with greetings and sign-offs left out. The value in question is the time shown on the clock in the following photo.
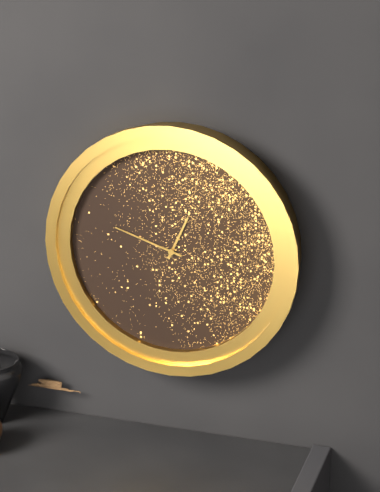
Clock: 12:48
